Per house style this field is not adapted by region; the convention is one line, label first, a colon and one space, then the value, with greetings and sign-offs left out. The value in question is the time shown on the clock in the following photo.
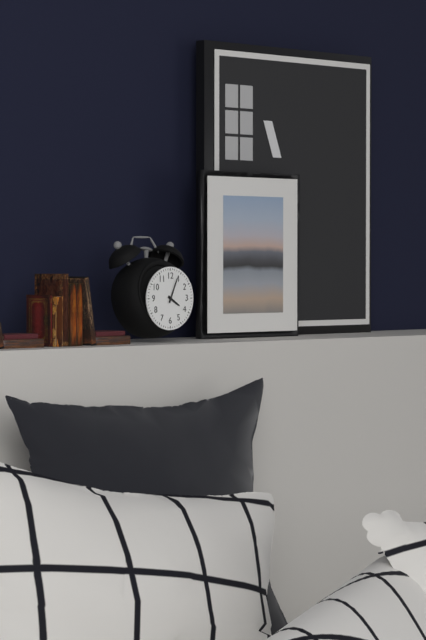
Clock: 4:04
